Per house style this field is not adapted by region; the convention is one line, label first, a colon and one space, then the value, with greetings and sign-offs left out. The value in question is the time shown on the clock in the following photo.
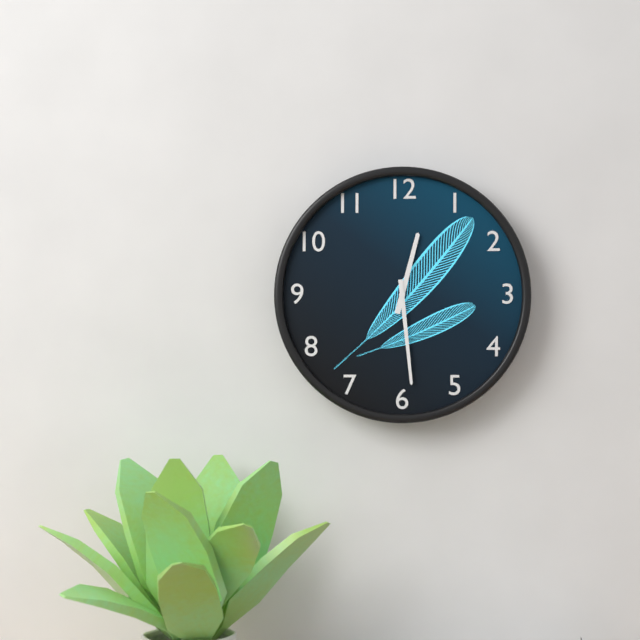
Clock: 12:29
